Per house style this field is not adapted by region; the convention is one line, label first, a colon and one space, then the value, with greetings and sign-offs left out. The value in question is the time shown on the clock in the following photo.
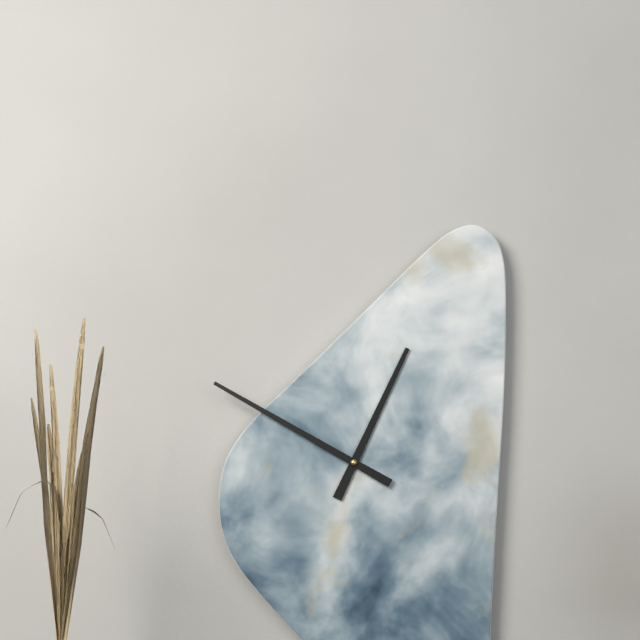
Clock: 12:50
